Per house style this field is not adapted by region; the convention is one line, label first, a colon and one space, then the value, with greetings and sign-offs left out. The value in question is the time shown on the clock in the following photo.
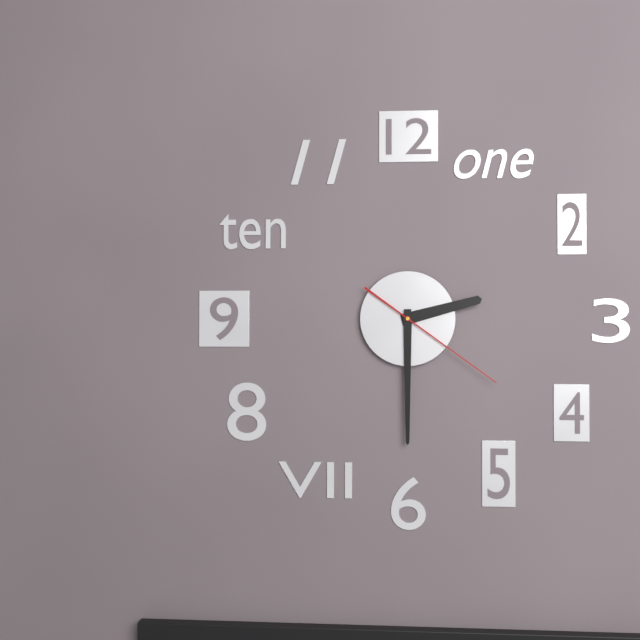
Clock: 2:30:21
